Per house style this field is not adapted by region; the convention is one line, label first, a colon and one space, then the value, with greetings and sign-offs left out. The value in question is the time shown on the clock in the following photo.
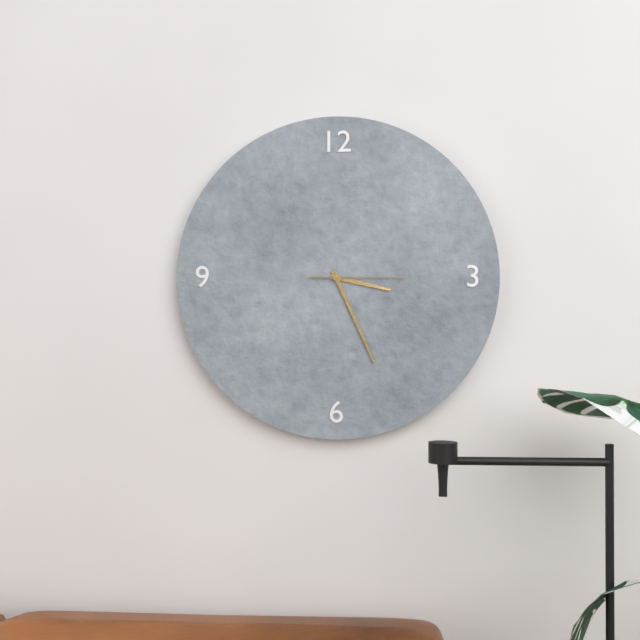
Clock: 3:26:15
